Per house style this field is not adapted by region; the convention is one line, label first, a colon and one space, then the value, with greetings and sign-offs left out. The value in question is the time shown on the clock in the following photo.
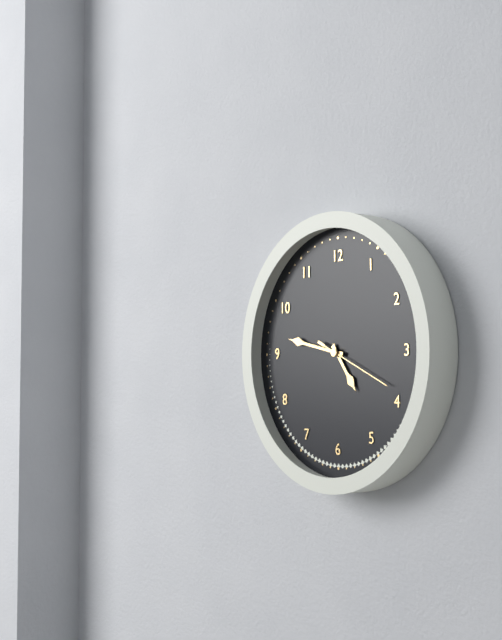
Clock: 4:47:19
